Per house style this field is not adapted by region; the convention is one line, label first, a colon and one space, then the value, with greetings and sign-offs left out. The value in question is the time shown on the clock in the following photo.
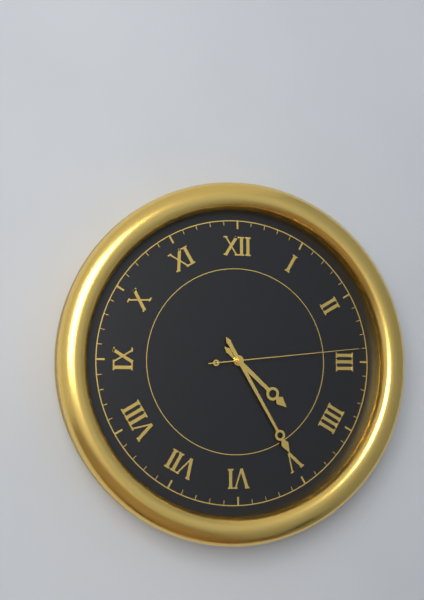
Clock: 4:25:14
